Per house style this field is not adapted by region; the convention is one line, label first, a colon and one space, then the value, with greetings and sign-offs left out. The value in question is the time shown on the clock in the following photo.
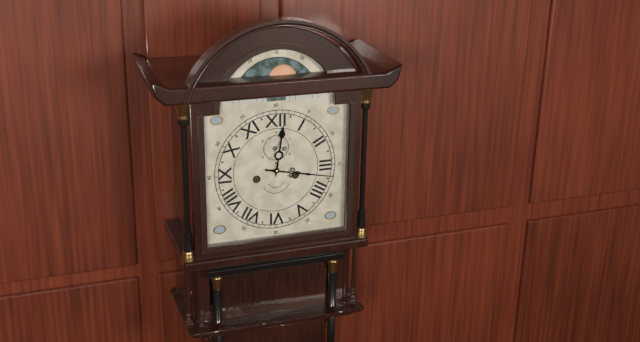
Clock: 12:17
